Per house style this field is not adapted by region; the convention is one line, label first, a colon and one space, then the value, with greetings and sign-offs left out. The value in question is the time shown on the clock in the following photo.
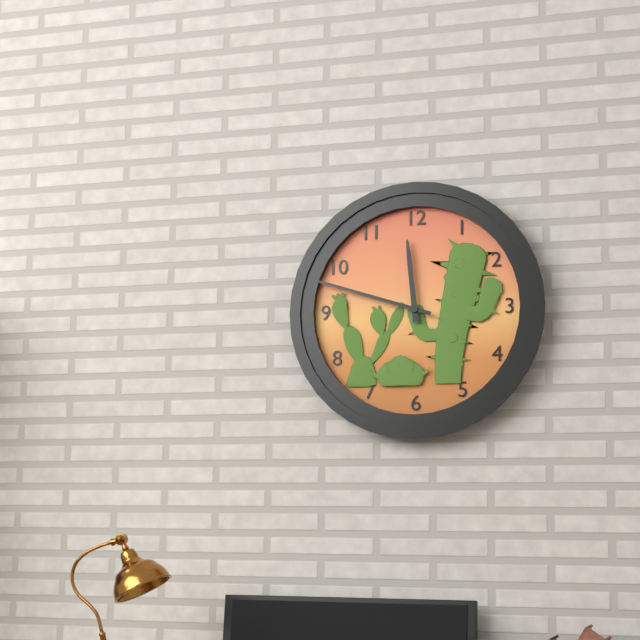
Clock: 11:48
